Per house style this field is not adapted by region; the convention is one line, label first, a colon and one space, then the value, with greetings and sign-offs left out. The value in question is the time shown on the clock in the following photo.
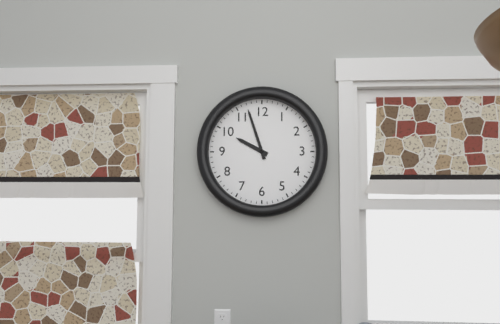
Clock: 9:57
